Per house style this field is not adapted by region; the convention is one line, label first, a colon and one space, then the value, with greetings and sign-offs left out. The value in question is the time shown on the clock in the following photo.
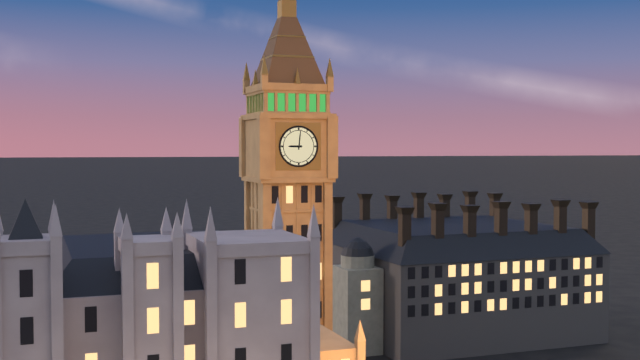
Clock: 9:01
